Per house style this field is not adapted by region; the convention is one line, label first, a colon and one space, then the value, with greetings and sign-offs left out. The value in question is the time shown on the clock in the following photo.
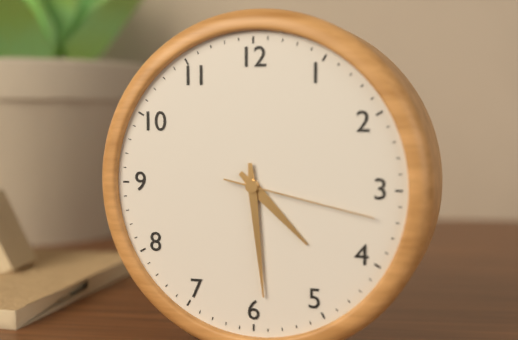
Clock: 4:29:17
